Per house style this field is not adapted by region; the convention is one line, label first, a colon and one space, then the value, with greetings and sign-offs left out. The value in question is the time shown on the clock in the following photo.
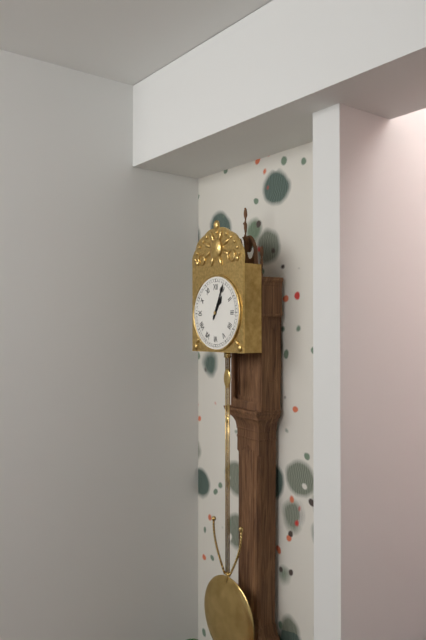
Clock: 1:04
